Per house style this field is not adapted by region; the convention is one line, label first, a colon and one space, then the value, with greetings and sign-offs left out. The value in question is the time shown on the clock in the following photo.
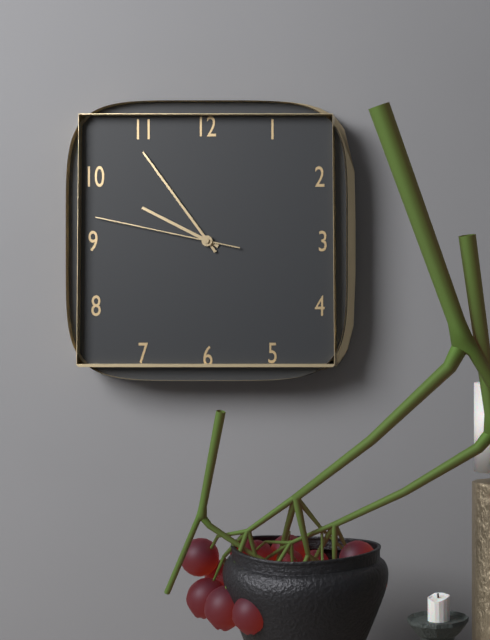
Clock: 9:54:47
